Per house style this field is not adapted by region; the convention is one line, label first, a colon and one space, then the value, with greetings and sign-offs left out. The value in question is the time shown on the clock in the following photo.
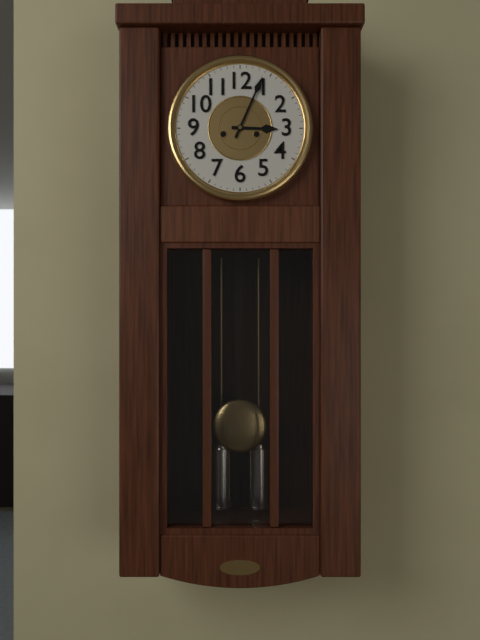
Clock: 3:04
